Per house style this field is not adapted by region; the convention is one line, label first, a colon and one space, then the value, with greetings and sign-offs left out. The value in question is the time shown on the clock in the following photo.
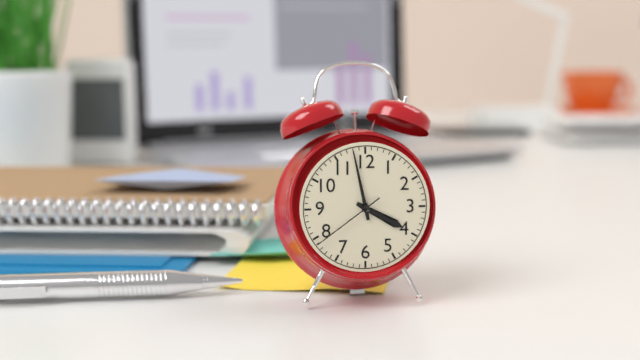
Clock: 3:58:39
